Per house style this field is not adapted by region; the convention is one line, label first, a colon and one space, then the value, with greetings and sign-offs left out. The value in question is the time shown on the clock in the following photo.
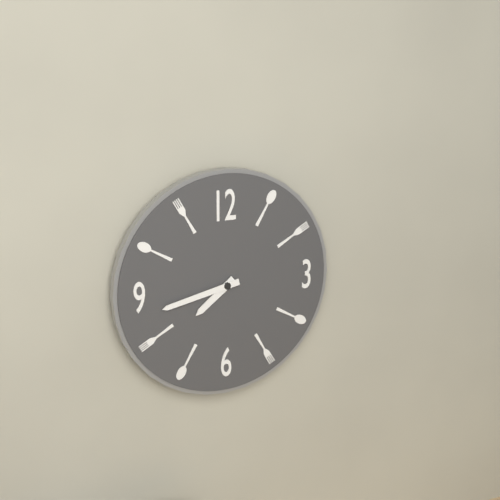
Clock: 7:43
